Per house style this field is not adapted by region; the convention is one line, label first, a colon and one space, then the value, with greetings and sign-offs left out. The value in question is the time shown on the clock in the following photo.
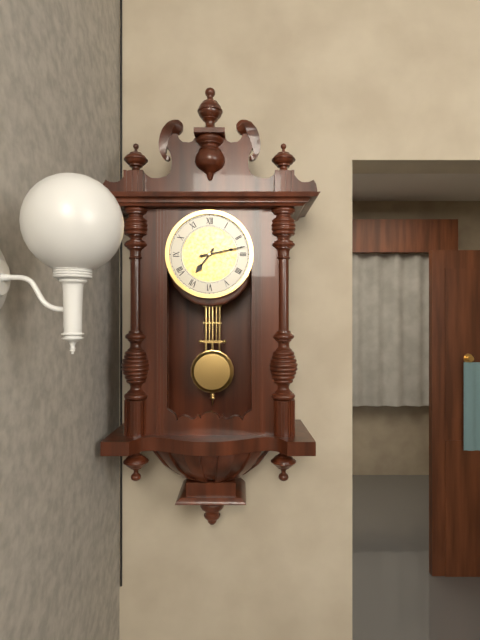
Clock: 7:13
